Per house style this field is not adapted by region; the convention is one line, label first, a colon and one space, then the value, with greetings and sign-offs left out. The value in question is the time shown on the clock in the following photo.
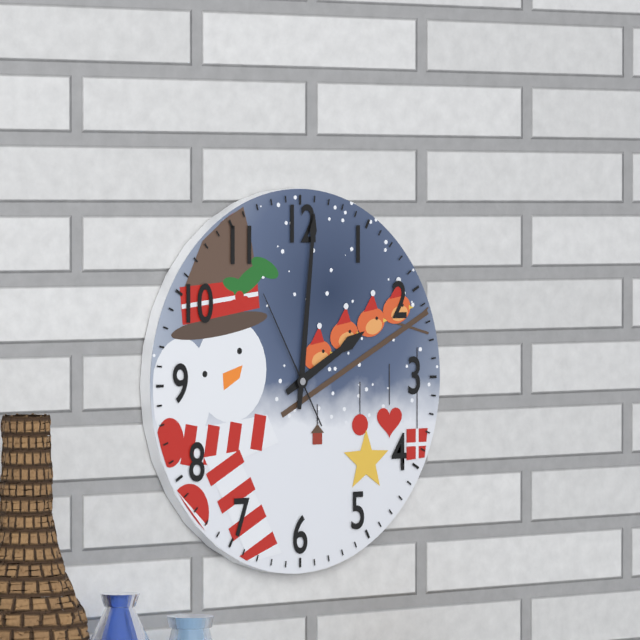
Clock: 2:01:55
